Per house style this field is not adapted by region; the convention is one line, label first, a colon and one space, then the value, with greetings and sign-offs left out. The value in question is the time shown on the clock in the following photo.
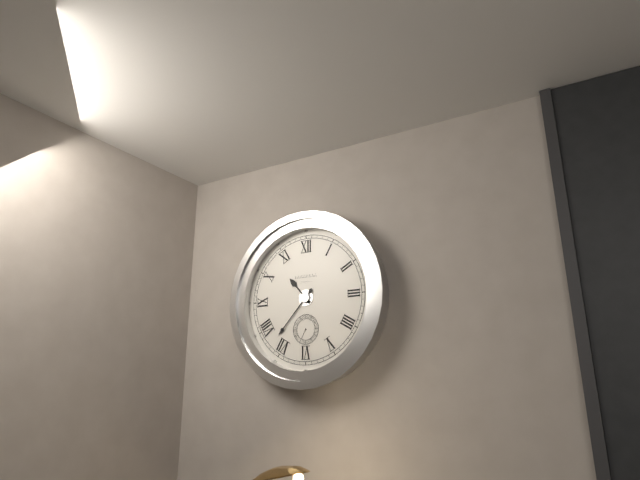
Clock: 10:37
